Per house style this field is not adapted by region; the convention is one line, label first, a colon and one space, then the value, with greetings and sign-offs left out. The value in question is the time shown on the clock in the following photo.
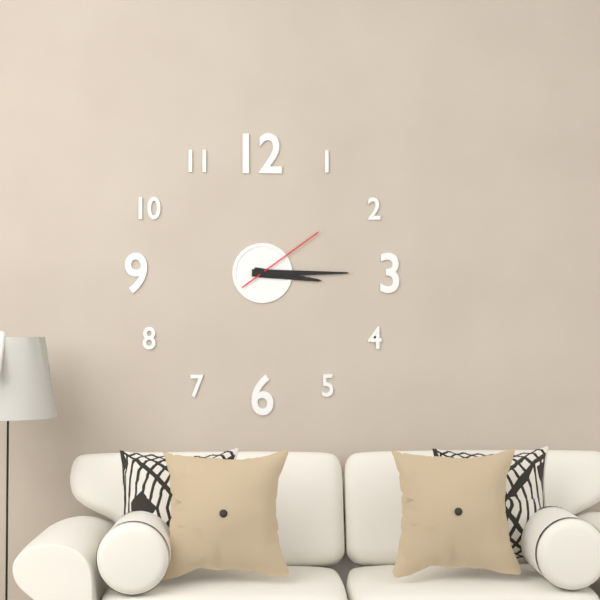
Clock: 3:15:09
